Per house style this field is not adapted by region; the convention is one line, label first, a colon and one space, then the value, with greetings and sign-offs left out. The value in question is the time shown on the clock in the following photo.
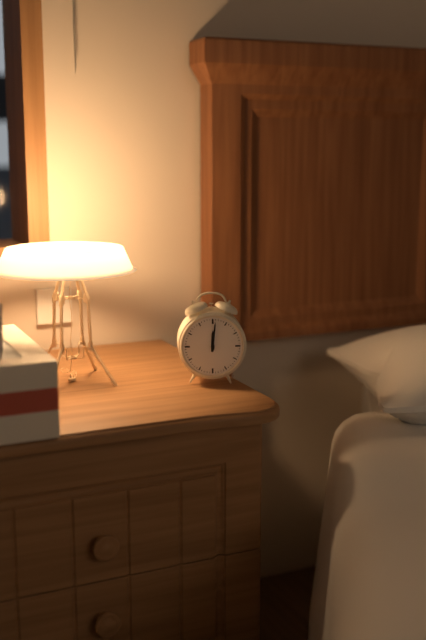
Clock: 12:01
